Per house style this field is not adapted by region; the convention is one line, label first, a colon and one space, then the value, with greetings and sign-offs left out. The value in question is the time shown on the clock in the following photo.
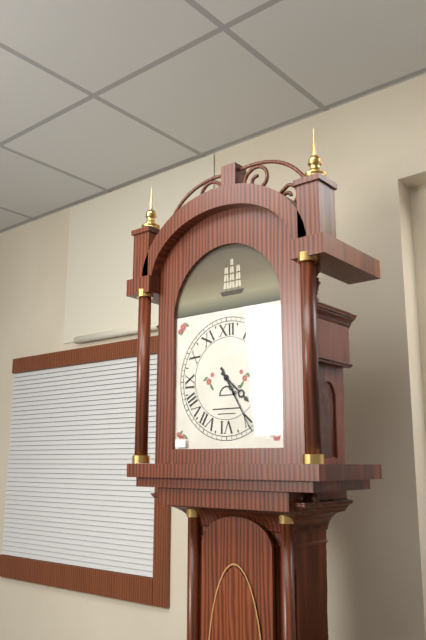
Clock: 4:25
